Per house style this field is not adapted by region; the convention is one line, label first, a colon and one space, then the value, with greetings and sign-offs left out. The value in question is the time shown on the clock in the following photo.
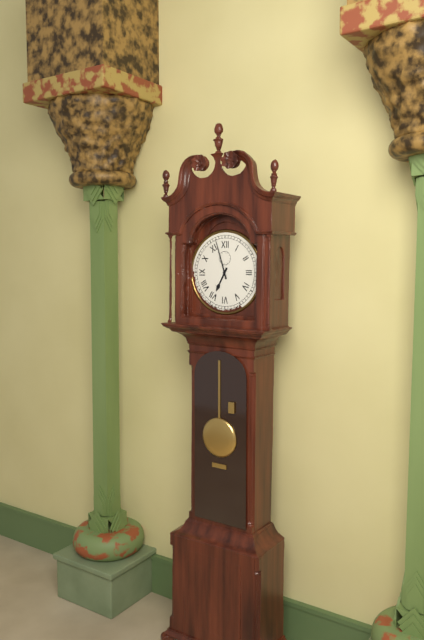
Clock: 6:57
